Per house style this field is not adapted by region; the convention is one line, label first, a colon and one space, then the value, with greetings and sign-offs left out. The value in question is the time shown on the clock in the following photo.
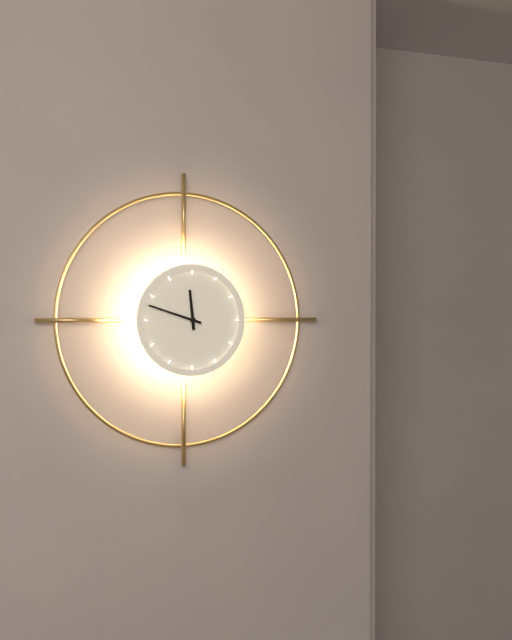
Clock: 11:48
